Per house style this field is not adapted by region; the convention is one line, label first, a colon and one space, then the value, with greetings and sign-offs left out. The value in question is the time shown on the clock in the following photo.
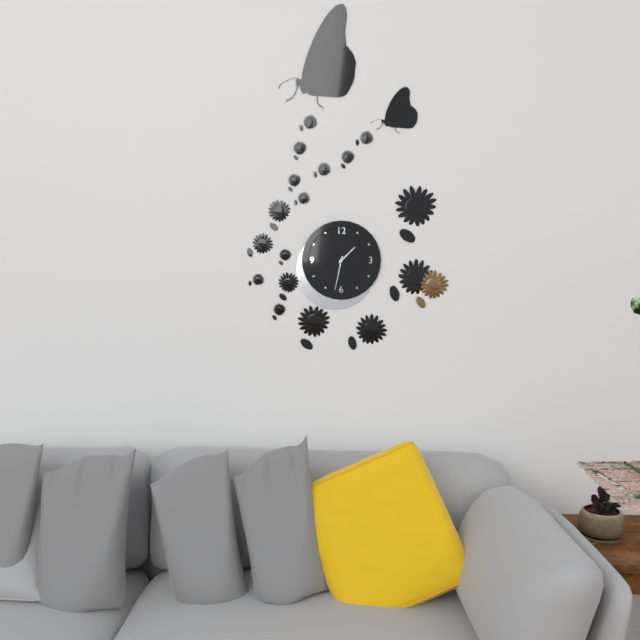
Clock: 1:32
